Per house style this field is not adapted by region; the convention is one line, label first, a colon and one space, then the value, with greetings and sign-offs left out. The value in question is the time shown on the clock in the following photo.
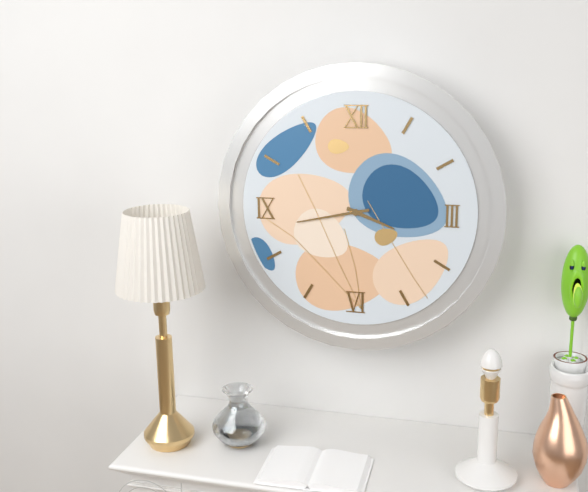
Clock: 3:43
